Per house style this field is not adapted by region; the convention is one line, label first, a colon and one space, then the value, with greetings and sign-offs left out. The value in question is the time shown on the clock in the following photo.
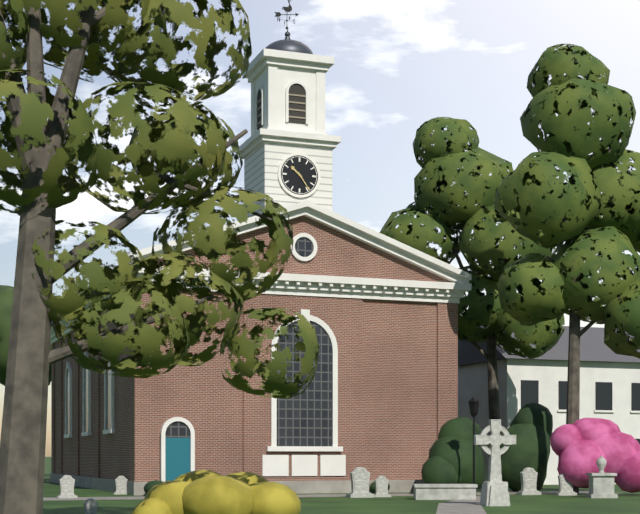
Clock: 10:24
